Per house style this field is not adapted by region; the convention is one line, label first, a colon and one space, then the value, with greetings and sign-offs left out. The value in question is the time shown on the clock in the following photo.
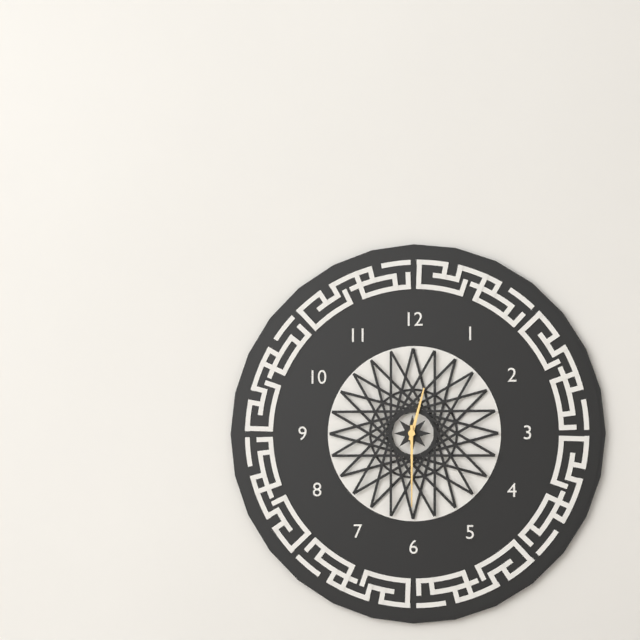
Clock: 12:30
